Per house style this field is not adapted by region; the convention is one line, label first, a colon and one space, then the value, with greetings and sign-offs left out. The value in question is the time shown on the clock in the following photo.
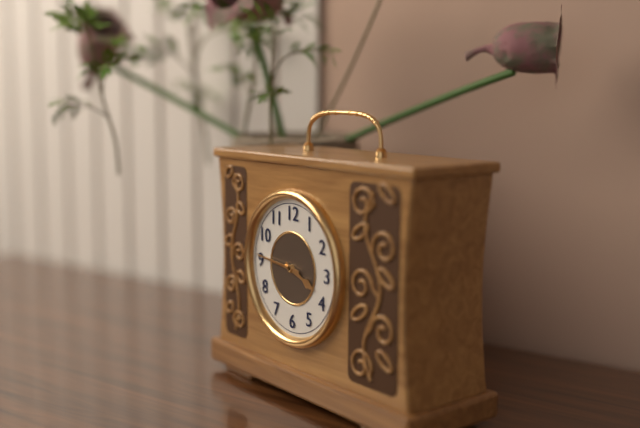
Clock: 3:46
